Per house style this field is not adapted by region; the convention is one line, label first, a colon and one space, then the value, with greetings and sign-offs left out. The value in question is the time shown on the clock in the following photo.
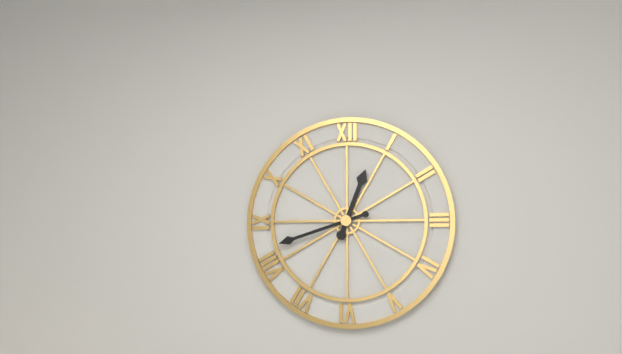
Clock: 12:42
